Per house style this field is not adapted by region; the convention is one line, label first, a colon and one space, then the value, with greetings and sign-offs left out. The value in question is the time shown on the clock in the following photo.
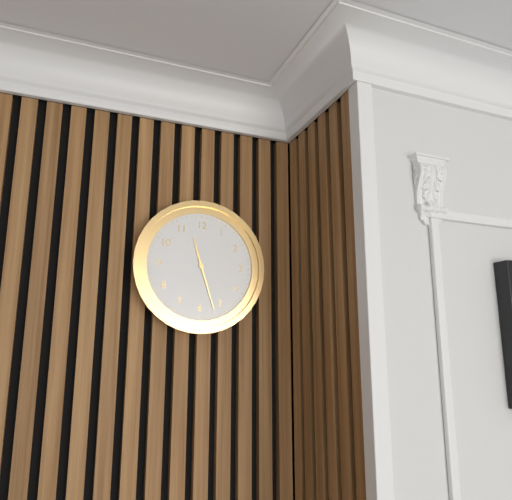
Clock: 11:27
